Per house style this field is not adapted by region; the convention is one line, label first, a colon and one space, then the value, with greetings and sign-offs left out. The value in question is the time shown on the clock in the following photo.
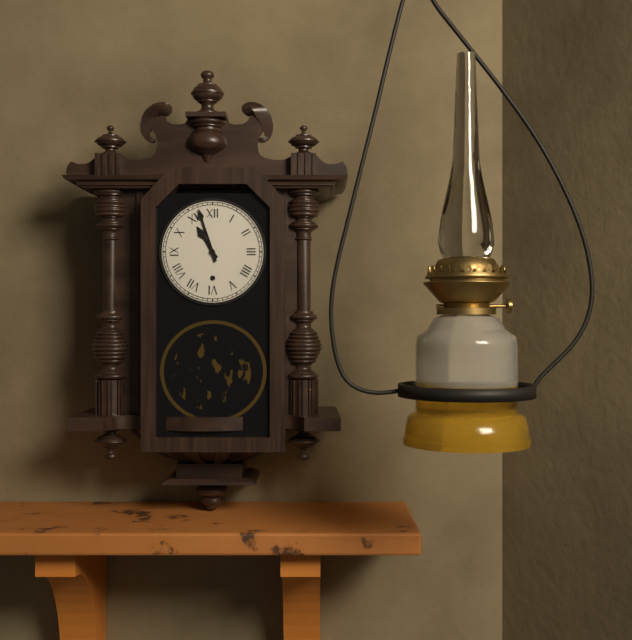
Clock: 10:57
